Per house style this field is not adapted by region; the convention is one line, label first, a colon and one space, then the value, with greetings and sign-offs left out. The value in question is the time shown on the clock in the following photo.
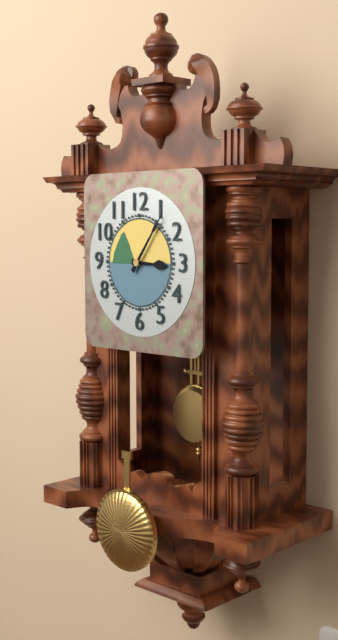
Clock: 3:06
